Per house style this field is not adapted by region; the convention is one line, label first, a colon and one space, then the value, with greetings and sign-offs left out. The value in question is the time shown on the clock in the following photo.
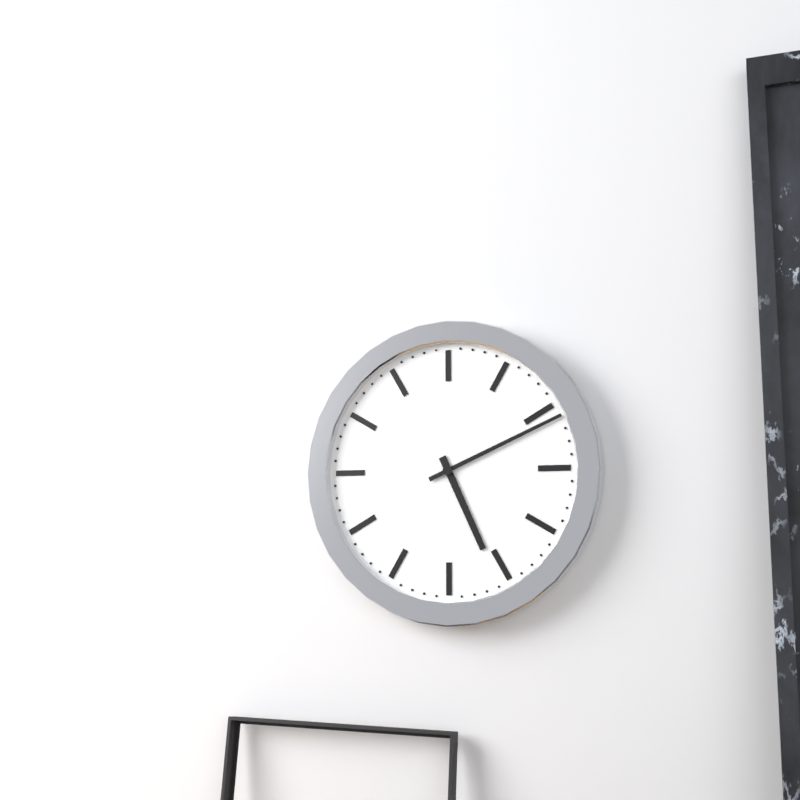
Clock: 5:11
